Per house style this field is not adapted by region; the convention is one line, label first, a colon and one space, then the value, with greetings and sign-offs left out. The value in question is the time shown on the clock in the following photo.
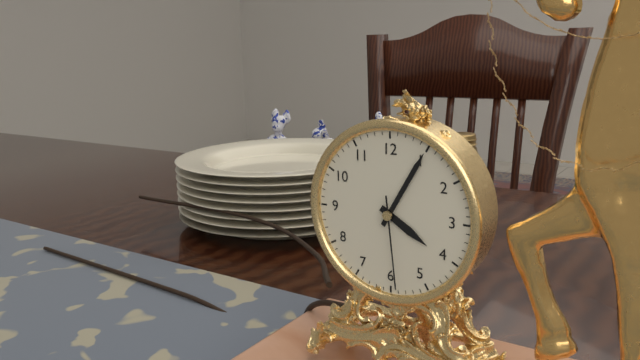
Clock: 4:05:29
